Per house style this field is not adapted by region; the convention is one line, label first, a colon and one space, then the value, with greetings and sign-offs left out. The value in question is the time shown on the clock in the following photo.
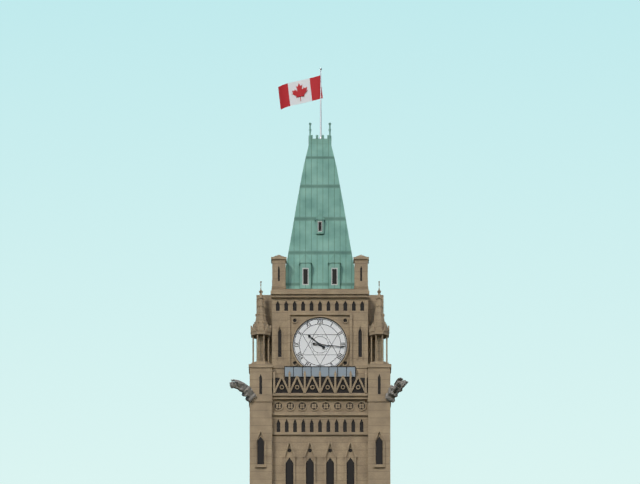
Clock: 10:16
